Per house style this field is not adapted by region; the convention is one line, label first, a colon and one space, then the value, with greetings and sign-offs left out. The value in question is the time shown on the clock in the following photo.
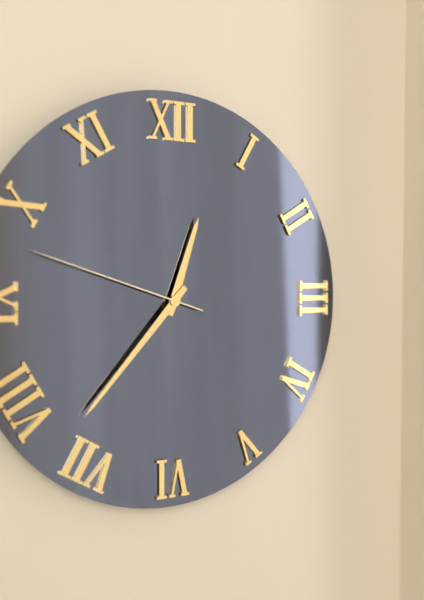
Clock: 12:37:48
